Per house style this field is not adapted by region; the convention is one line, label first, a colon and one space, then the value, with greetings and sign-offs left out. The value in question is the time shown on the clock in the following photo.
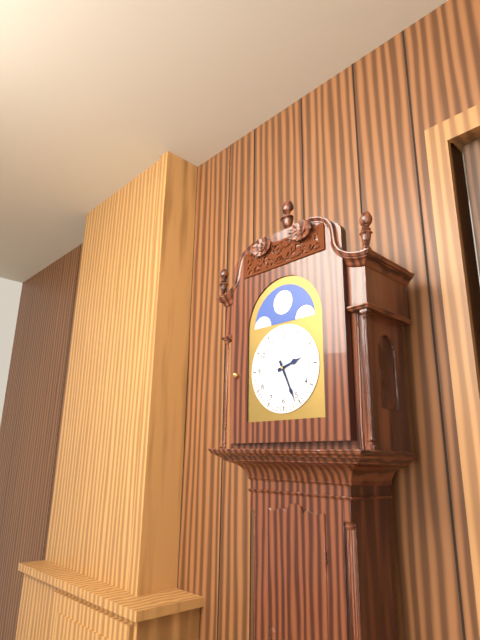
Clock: 2:26
